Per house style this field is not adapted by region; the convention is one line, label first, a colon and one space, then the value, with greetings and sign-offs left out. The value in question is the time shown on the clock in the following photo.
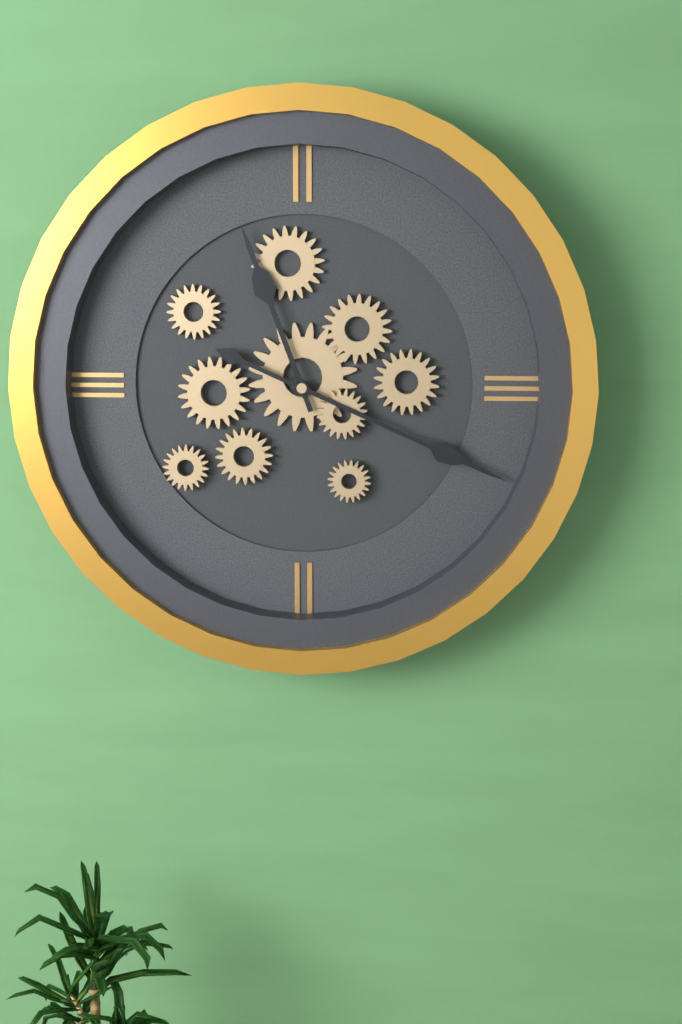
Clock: 11:19
